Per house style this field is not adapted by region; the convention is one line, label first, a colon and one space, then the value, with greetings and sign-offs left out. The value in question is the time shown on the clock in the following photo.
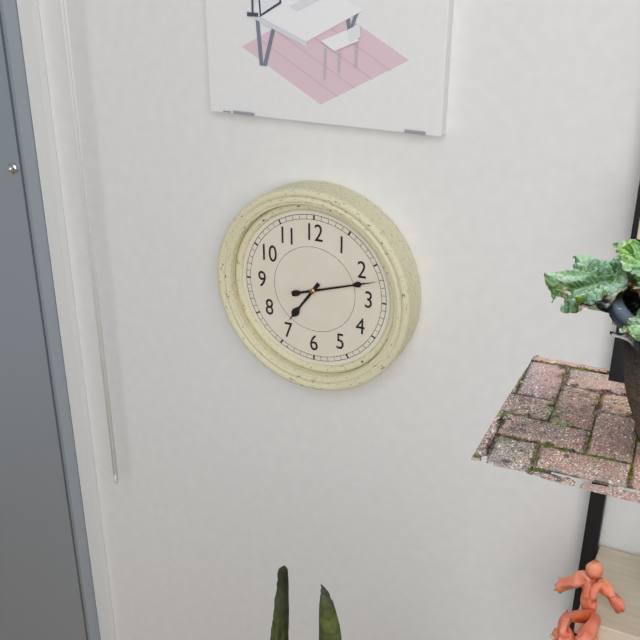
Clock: 7:12
